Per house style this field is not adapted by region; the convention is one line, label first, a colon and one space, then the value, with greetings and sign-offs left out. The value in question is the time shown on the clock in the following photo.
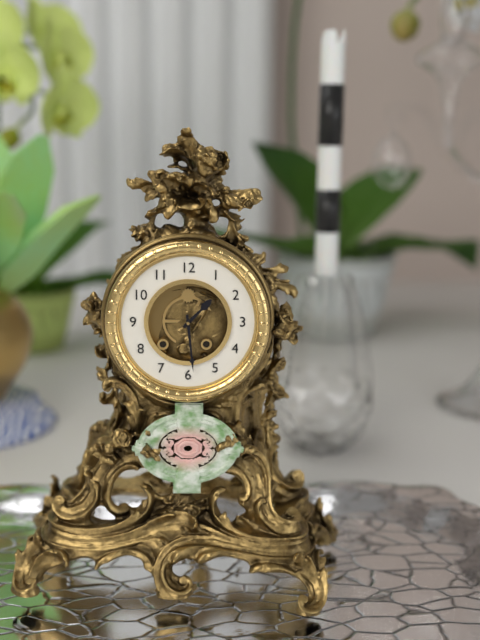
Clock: 1:29
